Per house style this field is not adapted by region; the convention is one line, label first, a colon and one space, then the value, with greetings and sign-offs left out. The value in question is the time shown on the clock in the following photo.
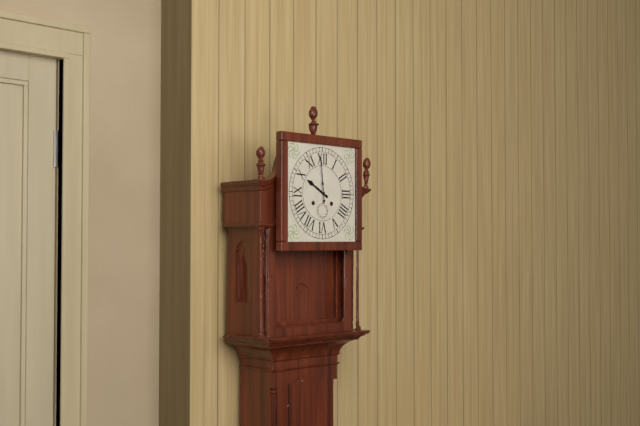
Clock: 9:59
